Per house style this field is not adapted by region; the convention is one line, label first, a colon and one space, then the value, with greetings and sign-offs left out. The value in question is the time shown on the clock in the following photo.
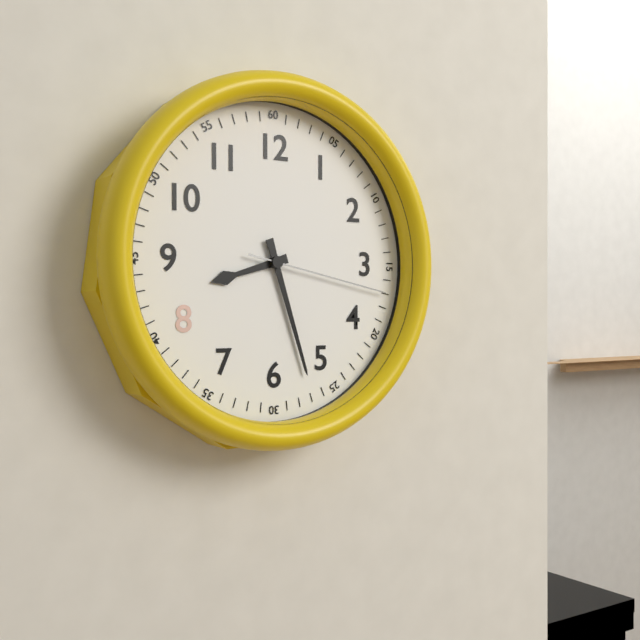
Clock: 8:27:17
